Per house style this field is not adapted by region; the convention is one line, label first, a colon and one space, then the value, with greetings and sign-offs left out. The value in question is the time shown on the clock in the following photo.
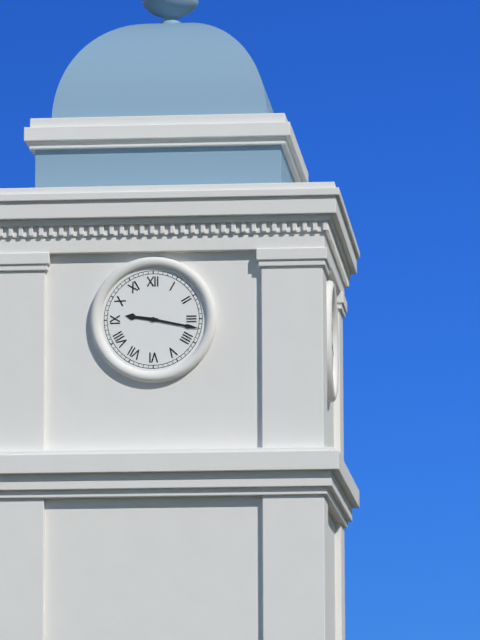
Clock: 9:17
